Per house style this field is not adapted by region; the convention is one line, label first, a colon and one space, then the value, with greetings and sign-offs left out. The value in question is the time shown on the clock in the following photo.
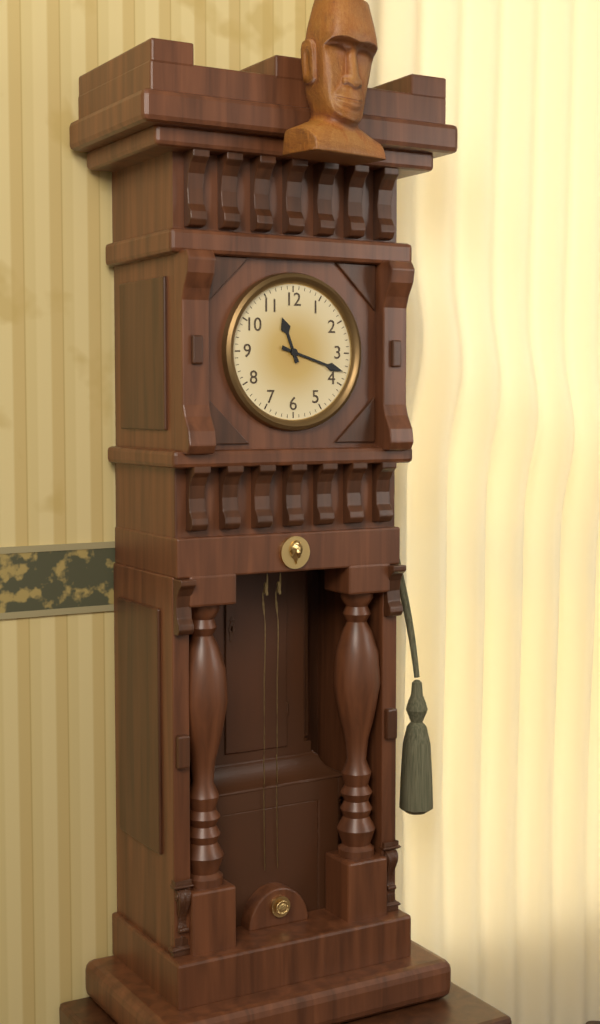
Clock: 11:18
